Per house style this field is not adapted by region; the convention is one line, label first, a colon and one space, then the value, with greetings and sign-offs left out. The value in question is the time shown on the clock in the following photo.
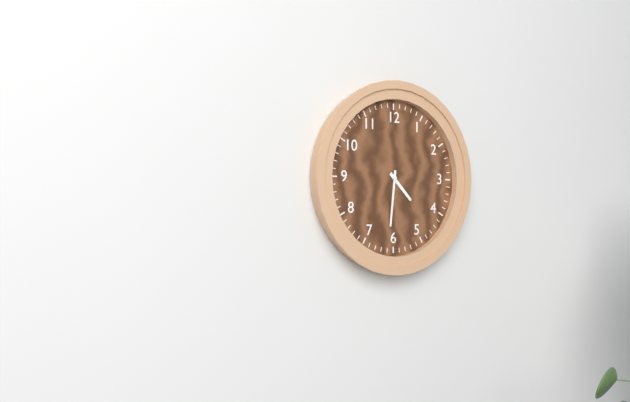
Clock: 4:31
